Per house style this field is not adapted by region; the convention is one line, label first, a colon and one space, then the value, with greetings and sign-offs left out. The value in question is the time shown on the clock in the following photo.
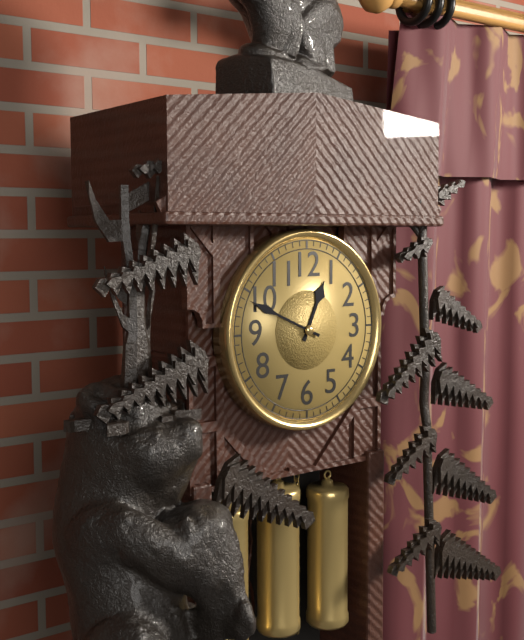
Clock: 12:49
